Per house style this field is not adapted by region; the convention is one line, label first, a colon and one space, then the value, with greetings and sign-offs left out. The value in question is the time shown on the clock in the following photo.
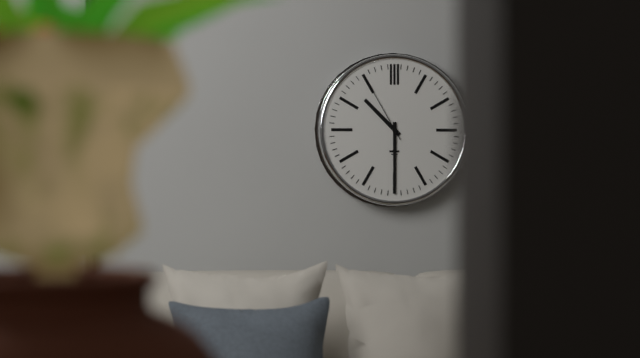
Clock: 10:30:55
